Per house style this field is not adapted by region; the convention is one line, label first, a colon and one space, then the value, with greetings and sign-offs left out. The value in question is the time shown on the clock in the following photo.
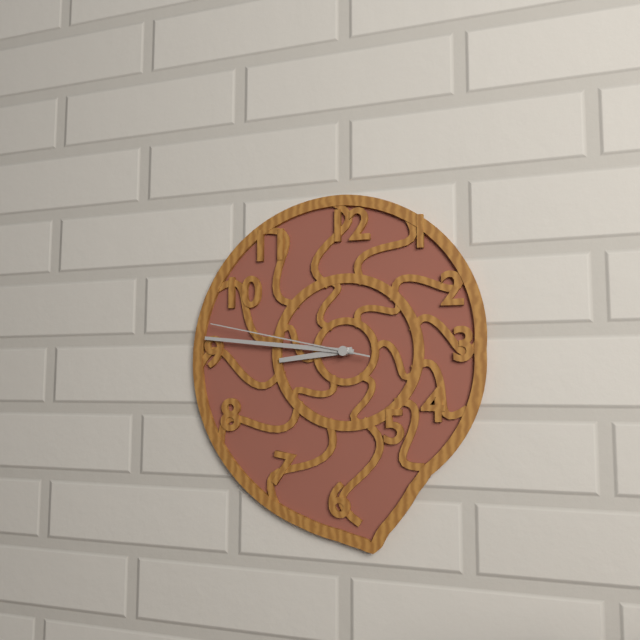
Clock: 8:46:47
